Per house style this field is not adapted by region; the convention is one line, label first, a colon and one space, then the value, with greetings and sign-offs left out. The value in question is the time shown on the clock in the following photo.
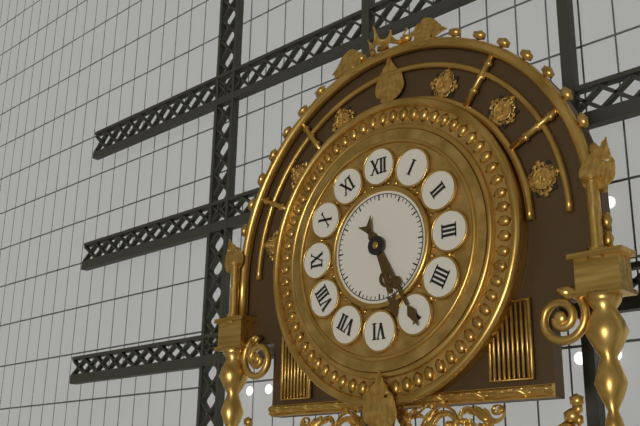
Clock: 5:25
